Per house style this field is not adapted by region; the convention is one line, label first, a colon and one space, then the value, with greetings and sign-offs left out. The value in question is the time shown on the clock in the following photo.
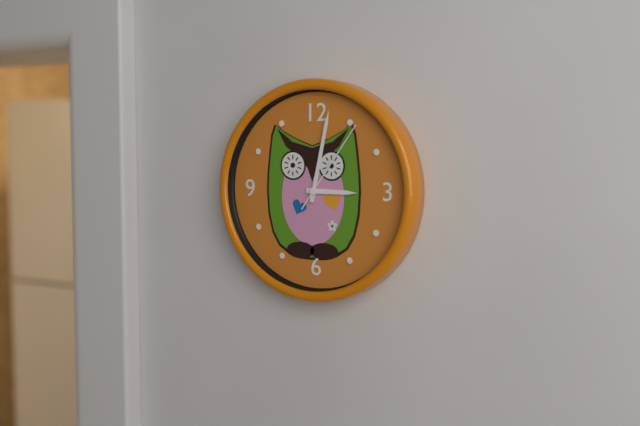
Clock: 3:02:06
